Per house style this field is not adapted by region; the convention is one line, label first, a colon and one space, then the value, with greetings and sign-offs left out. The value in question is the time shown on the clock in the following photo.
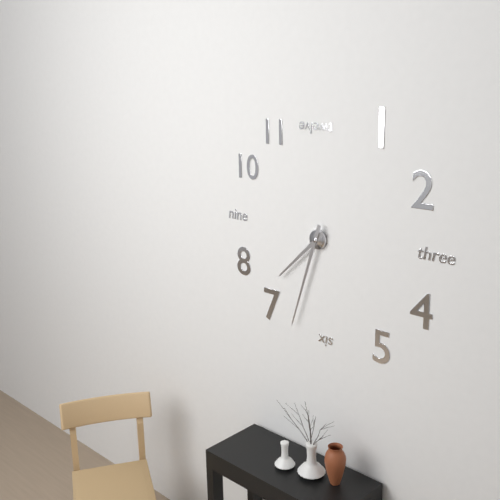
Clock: 7:33
